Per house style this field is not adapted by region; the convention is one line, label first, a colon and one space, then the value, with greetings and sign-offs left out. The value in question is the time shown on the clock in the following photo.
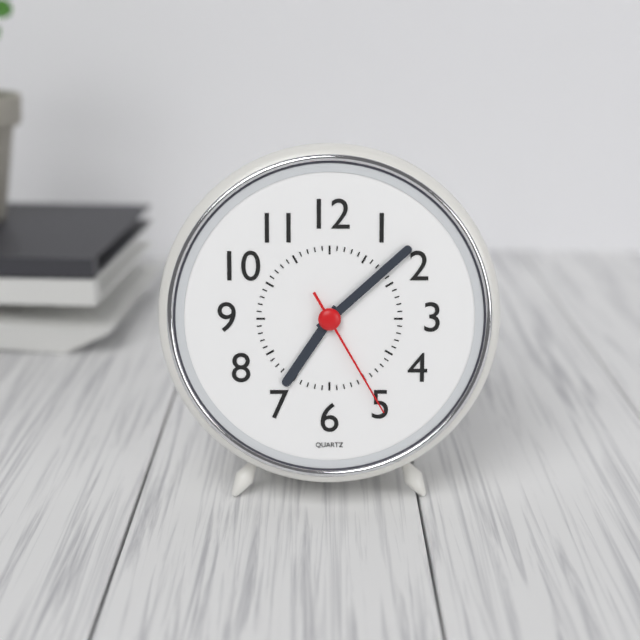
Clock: 7:08:25
